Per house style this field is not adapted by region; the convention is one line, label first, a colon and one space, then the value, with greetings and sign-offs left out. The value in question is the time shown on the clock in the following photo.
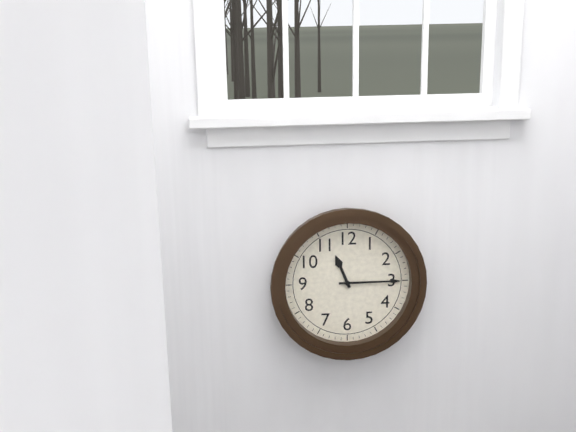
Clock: 11:15
